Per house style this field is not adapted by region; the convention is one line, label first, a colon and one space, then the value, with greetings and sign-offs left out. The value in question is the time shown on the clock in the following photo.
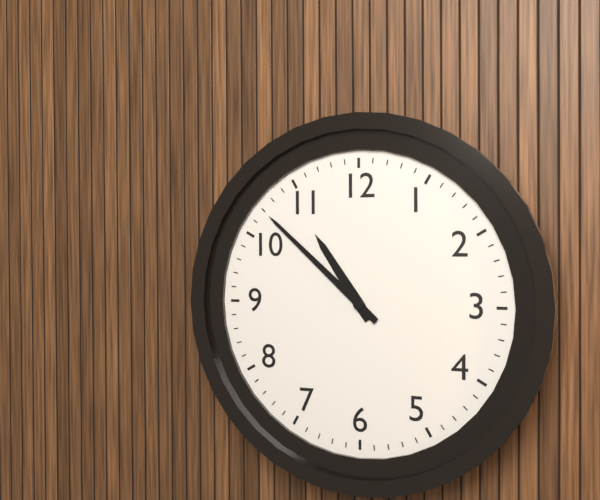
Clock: 10:52
